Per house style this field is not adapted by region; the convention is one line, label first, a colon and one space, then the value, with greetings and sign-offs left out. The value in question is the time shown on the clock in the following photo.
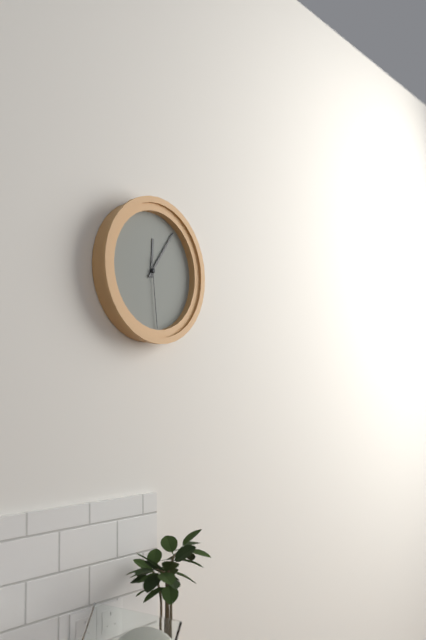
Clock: 12:06:29
